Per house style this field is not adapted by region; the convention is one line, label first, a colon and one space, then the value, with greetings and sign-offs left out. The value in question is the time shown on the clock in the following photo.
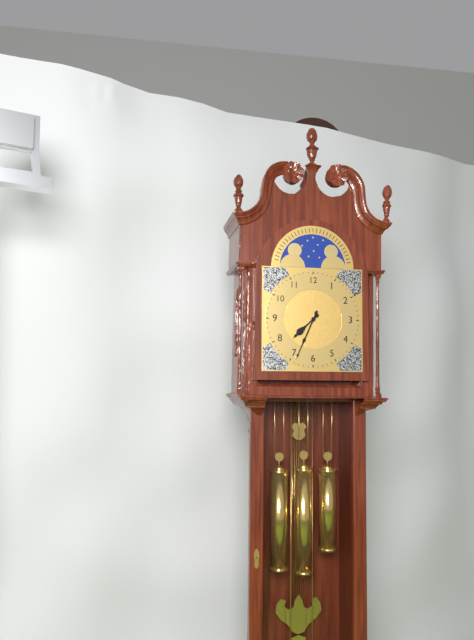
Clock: 7:34
